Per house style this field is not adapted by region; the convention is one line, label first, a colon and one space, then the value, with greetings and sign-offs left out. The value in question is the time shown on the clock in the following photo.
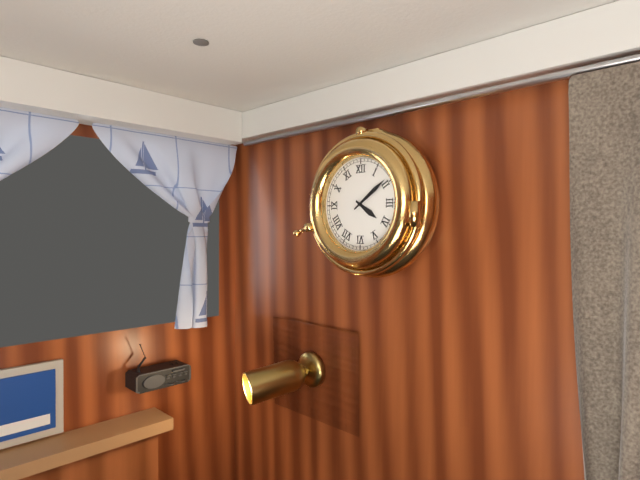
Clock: 4:09
